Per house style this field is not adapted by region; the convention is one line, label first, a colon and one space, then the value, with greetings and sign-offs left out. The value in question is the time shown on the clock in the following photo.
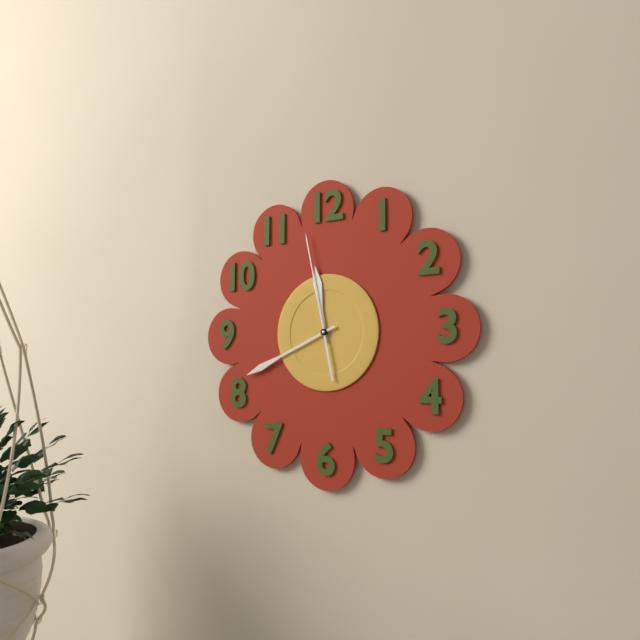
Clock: 11:41:58
